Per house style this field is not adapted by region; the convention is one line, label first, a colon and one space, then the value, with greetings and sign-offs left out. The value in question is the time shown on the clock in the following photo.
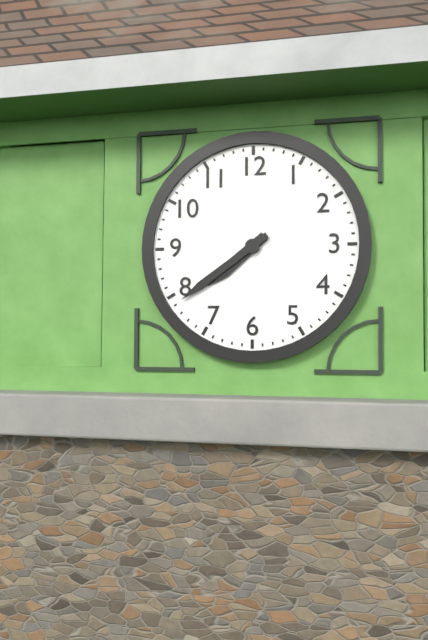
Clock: 7:39
